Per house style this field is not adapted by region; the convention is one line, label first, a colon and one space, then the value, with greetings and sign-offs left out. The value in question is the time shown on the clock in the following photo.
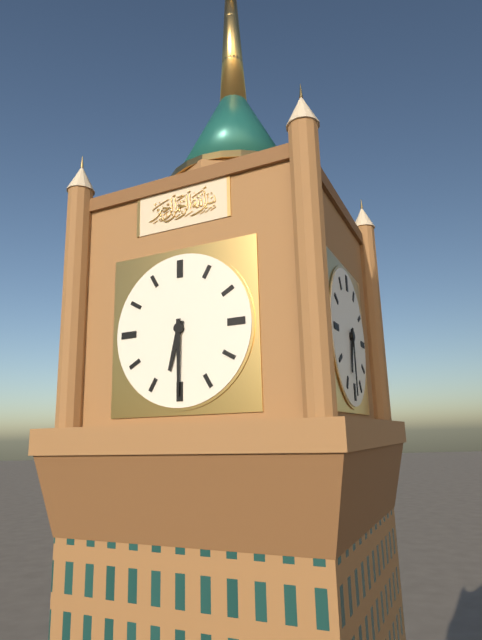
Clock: 6:30
